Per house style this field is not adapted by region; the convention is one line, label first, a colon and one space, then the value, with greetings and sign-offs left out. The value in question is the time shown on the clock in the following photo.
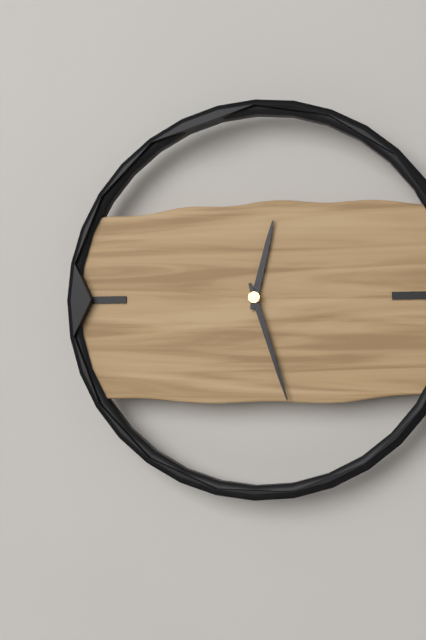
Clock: 12:27
